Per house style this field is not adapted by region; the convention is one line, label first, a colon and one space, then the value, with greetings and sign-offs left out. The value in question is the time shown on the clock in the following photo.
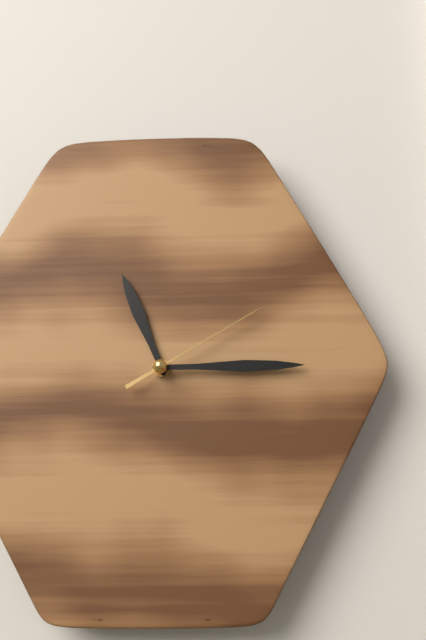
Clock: 11:15:10
